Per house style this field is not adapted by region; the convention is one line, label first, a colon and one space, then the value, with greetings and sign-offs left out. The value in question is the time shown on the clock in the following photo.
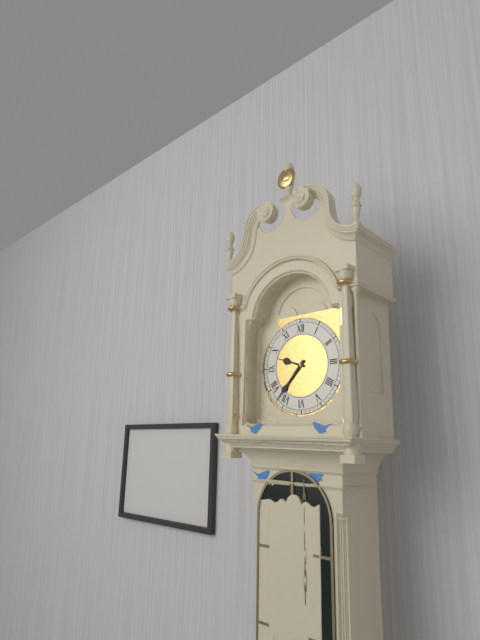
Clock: 9:37
